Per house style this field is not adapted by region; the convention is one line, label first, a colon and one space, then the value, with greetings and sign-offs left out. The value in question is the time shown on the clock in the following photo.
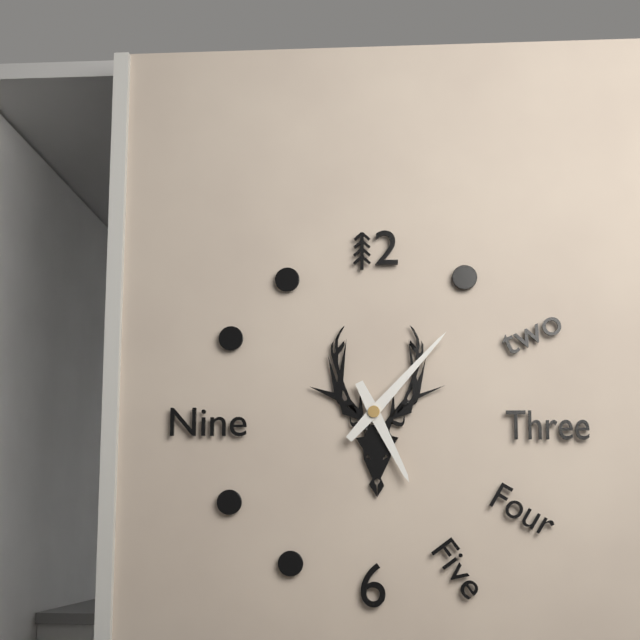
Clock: 5:07
